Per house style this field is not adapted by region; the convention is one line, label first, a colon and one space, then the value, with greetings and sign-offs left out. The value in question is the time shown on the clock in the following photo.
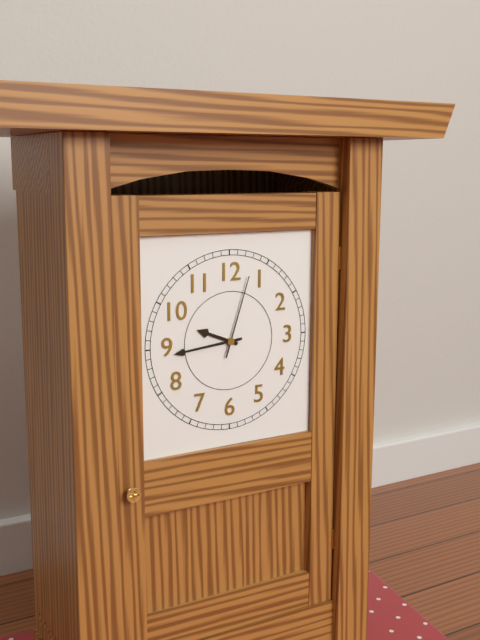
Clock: 9:44:03
